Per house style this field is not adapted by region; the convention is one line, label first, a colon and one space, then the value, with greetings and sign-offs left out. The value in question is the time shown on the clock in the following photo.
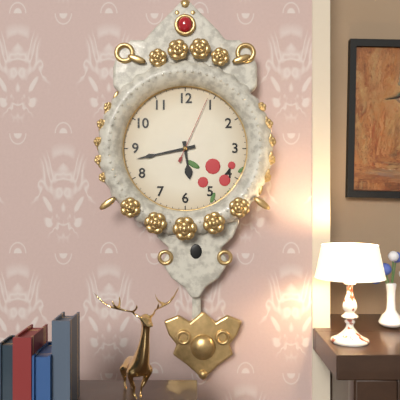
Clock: 5:43:04
